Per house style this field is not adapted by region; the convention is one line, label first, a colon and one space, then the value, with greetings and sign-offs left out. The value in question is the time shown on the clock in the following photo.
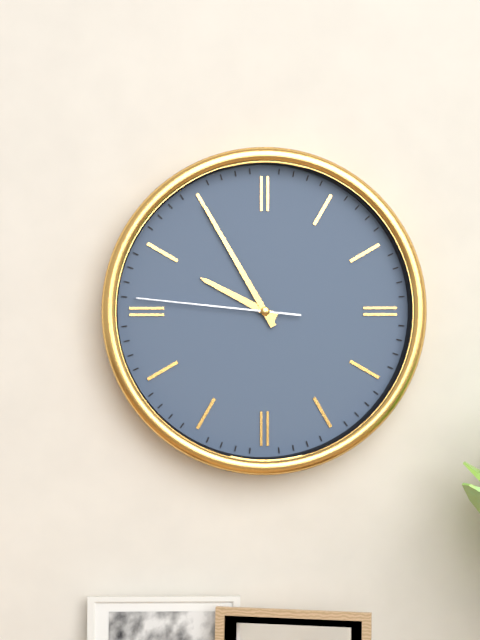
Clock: 9:55:46
